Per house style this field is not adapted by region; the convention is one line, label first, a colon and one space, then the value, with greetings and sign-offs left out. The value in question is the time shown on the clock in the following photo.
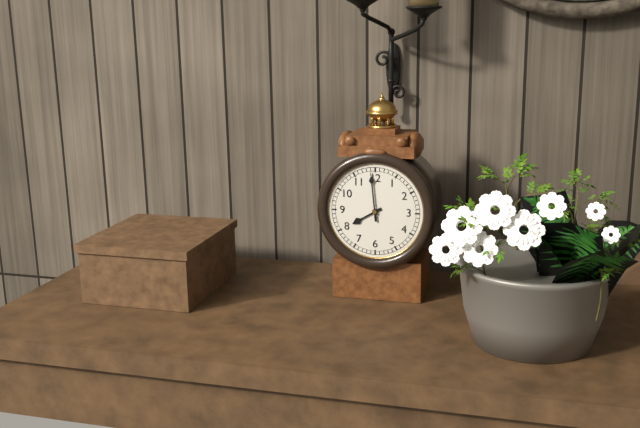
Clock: 7:59
